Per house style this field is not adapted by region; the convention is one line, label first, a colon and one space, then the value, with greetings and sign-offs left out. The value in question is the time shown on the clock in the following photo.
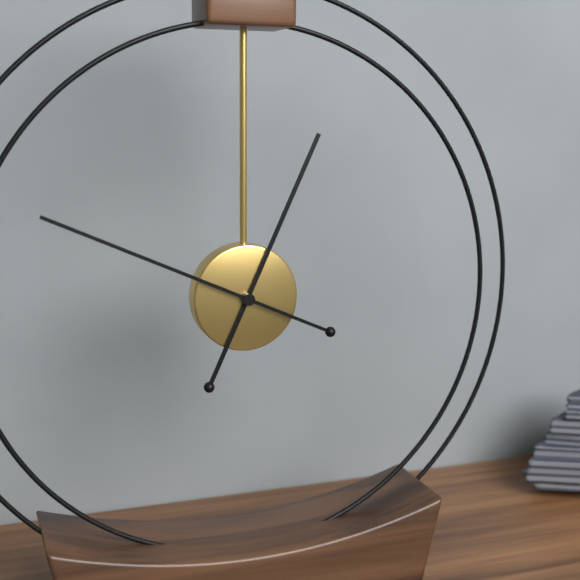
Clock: 12:49
